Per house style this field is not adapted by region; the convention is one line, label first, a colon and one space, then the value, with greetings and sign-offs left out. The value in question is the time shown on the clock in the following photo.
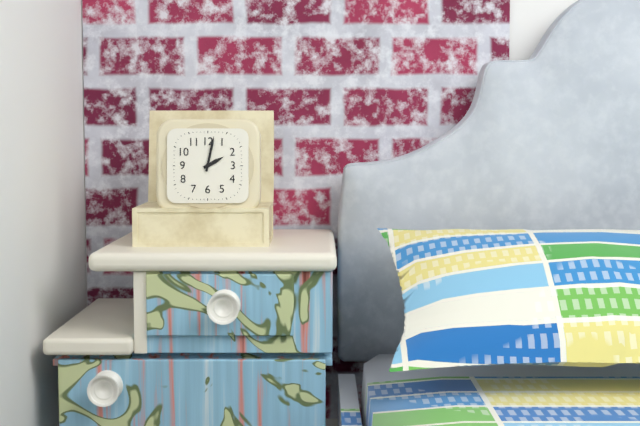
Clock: 2:02
